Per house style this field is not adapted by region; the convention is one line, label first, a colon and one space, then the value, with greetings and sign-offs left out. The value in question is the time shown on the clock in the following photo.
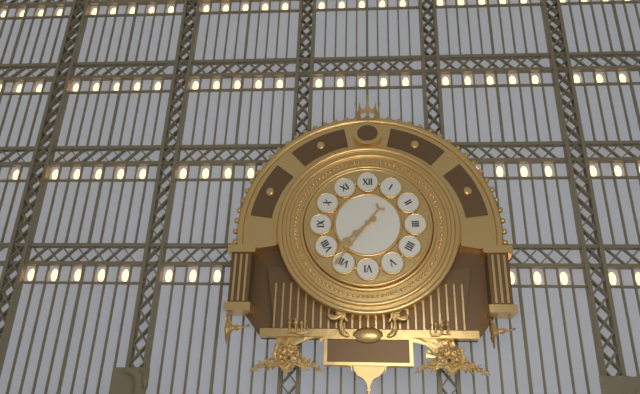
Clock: 7:36
